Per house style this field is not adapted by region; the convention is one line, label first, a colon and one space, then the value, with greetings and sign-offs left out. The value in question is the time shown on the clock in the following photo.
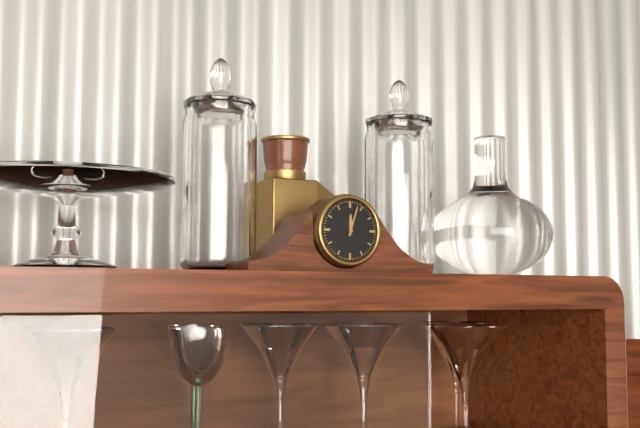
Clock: 12:03
